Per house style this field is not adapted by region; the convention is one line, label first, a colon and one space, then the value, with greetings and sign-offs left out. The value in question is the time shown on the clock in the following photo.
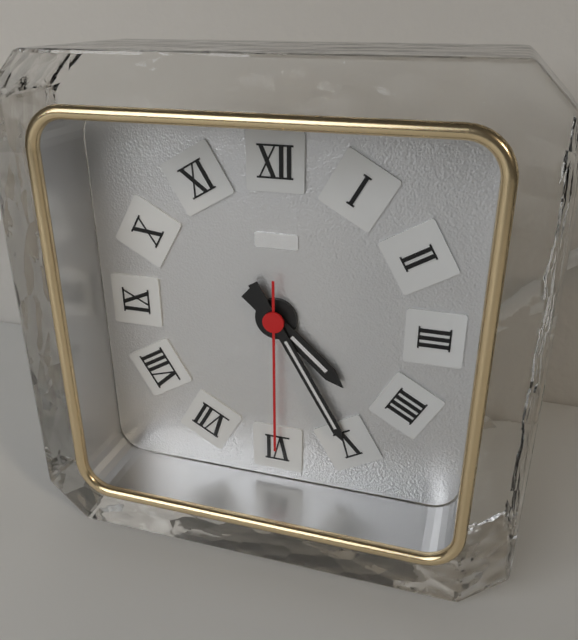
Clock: 4:25:30
